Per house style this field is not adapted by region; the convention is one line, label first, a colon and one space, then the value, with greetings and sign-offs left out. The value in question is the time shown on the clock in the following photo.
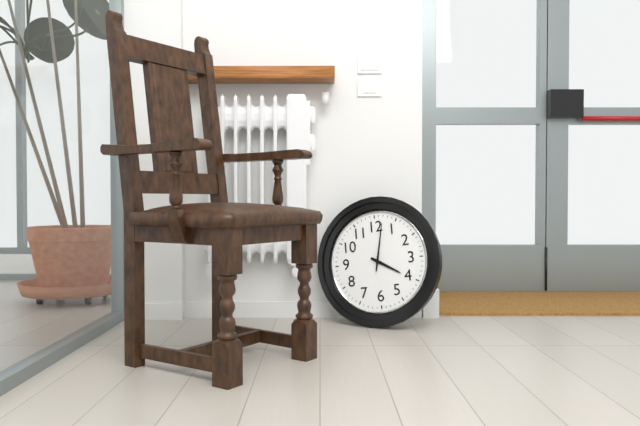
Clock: 4:02
